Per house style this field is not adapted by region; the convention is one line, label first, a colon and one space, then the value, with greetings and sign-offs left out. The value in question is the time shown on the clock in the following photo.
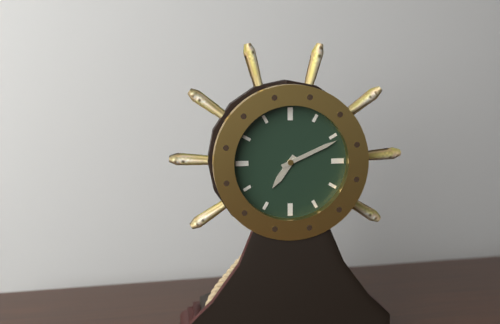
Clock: 7:11
